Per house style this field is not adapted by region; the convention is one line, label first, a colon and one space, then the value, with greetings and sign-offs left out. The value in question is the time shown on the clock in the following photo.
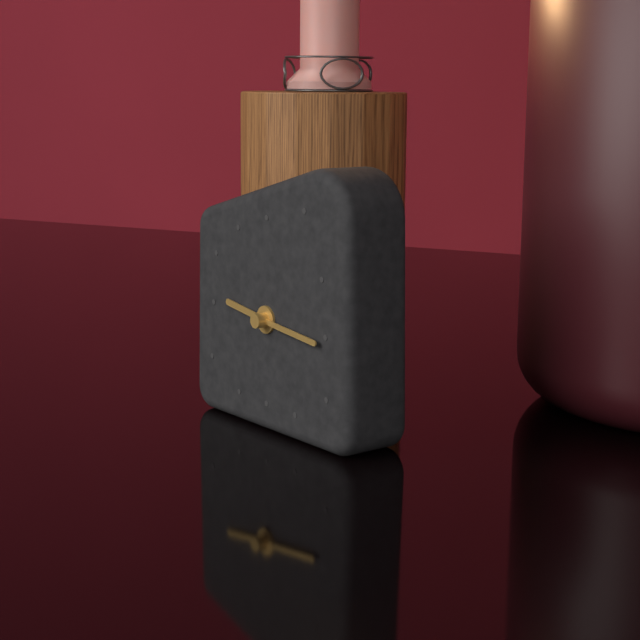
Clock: 9:16
